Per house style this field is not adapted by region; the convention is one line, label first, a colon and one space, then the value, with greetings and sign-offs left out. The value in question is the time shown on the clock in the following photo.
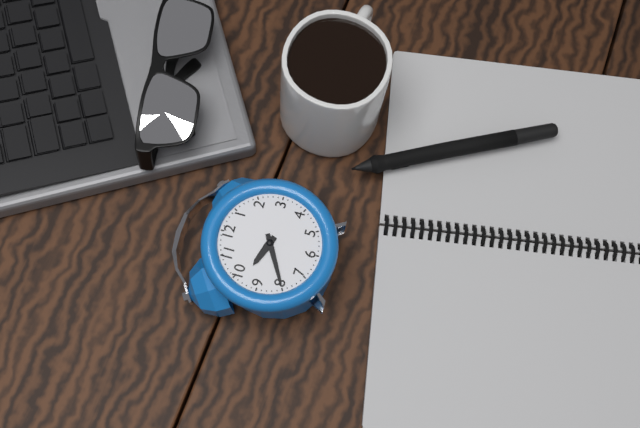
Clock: 9:40
